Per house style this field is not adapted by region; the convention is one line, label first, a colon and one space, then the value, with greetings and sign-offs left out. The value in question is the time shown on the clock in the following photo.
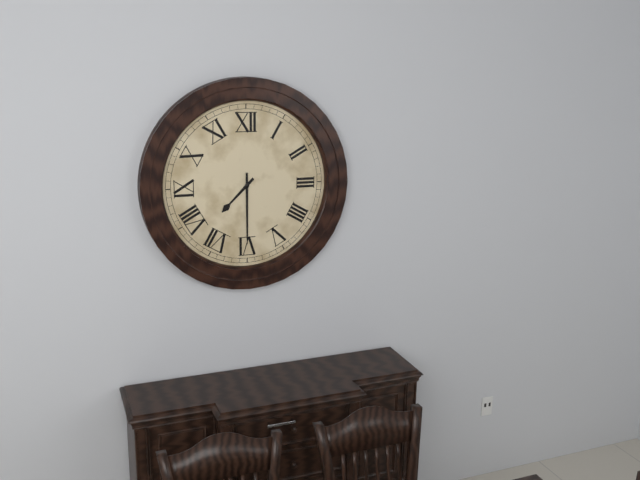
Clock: 7:30
